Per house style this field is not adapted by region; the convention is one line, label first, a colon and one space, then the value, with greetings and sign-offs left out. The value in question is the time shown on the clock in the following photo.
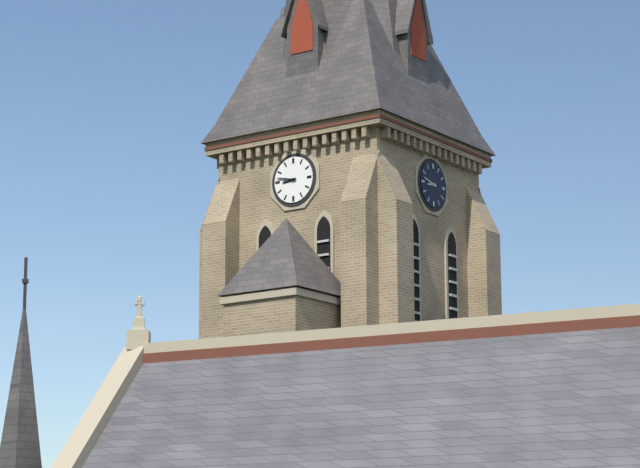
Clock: 8:47
